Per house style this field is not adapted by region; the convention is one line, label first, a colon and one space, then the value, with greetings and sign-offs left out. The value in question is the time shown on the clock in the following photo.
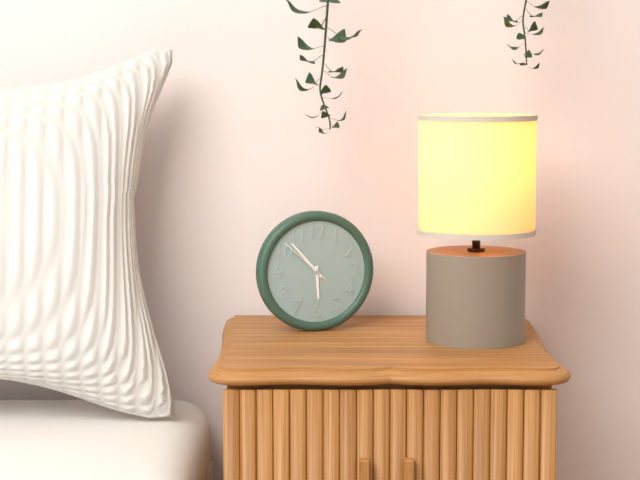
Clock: 5:53:52
